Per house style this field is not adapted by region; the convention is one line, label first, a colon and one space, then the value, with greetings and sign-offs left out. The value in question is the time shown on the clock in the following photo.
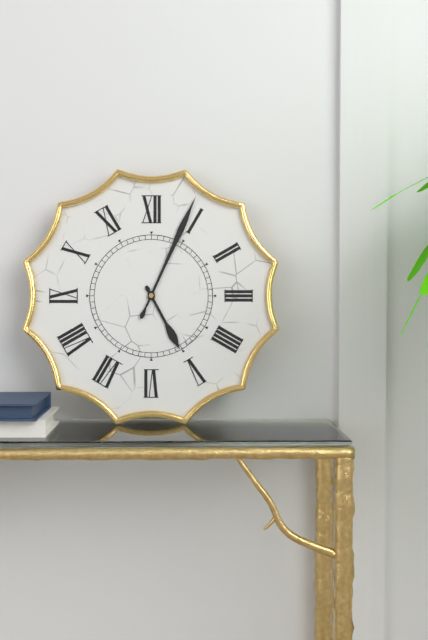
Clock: 5:04
